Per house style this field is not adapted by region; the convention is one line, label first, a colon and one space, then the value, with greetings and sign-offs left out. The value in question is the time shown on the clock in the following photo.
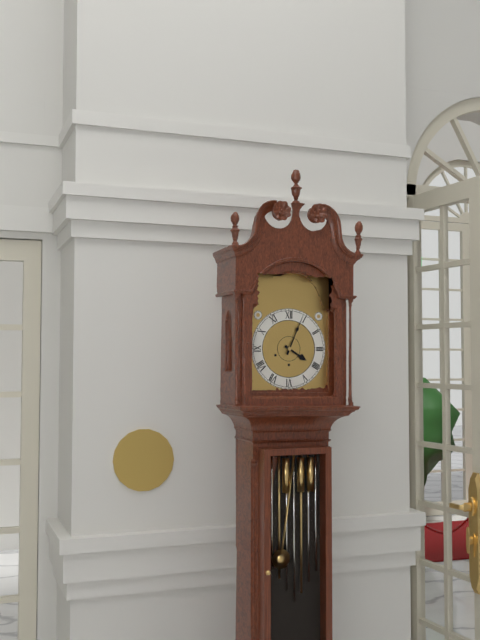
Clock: 4:04
